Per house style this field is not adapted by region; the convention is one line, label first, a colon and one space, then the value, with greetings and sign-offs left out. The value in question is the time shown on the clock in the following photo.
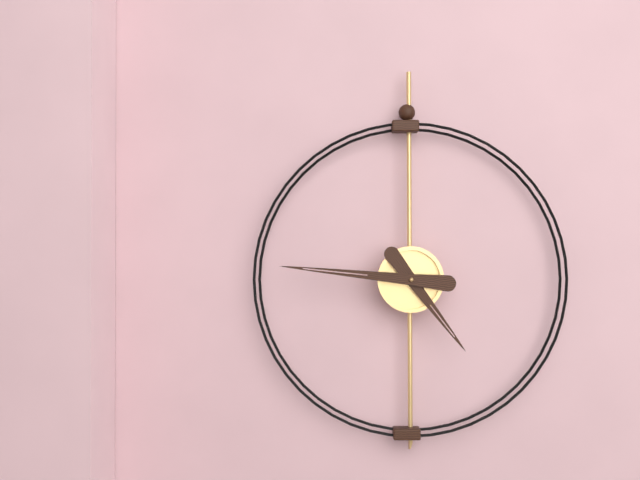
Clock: 4:46
